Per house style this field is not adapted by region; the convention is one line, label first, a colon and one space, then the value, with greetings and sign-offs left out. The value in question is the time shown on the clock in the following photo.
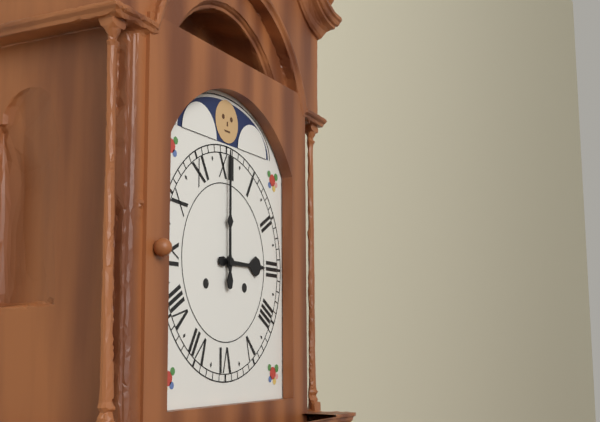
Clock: 3:00
